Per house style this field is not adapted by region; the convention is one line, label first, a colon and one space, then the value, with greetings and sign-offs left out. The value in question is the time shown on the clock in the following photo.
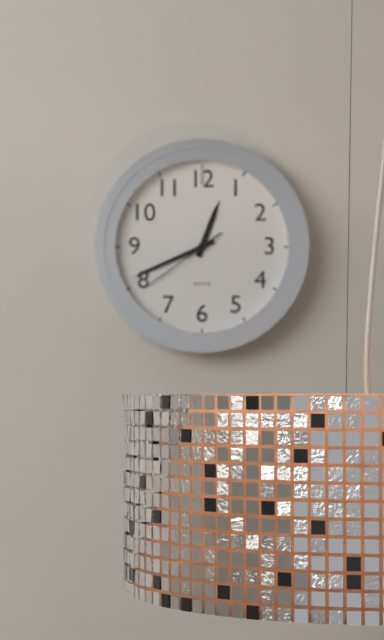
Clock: 12:41:39
